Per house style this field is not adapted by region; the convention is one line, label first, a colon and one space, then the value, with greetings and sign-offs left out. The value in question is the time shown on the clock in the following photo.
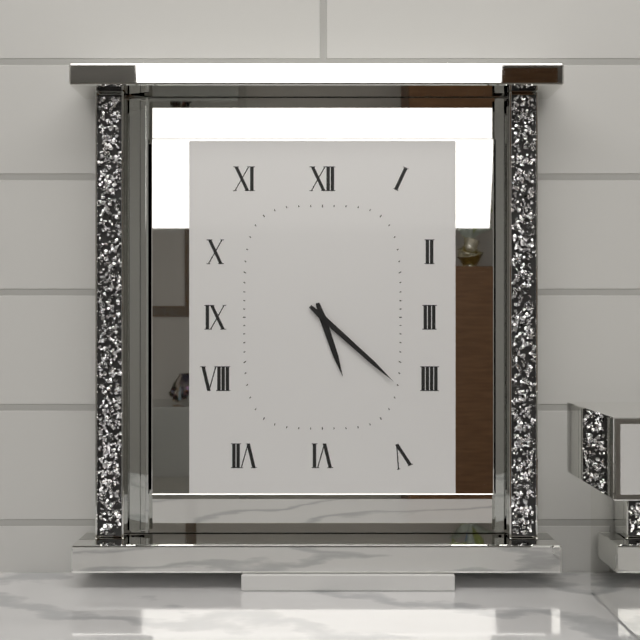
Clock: 5:22
